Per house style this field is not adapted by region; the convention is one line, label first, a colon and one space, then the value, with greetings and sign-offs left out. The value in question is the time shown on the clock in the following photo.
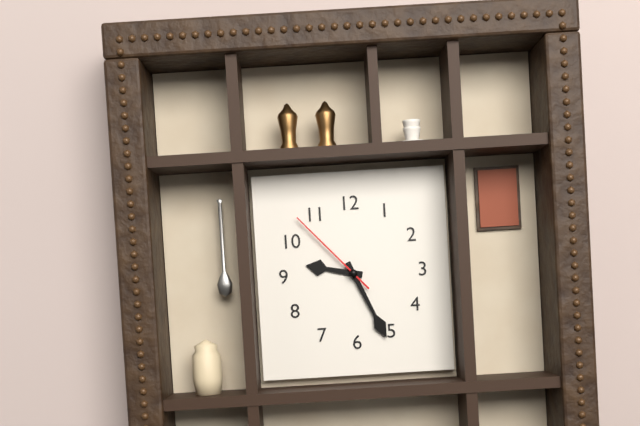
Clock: 9:26:53
